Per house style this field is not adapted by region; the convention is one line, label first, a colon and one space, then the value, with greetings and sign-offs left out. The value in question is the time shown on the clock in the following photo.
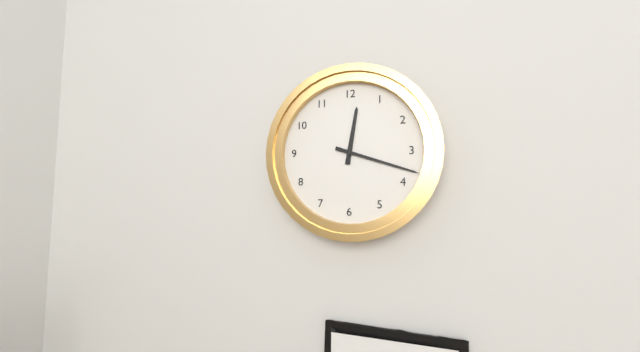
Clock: 12:18
